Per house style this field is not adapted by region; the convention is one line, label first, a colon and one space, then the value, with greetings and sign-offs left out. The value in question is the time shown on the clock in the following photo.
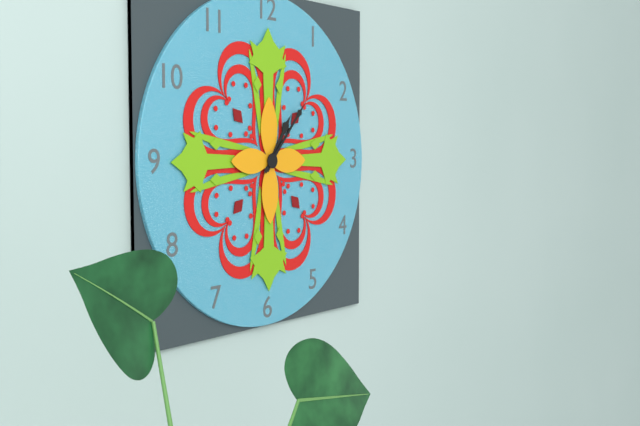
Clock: 1:07
